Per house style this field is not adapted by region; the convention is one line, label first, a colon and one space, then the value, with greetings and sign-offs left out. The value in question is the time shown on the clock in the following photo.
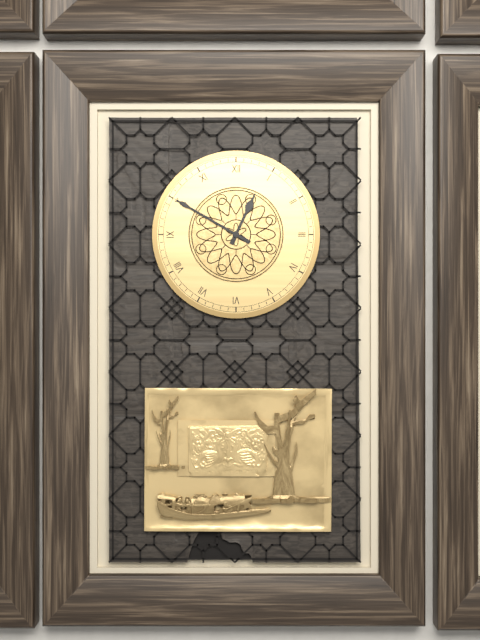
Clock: 12:50
